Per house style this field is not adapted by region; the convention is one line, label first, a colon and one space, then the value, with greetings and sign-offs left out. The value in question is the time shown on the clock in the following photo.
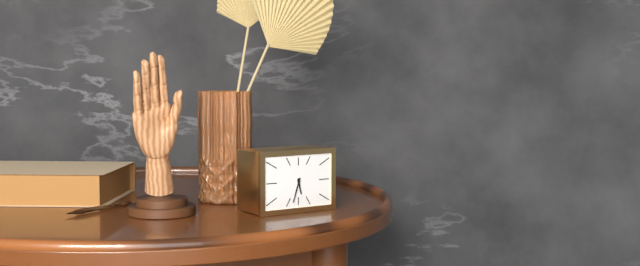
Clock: 5:33
